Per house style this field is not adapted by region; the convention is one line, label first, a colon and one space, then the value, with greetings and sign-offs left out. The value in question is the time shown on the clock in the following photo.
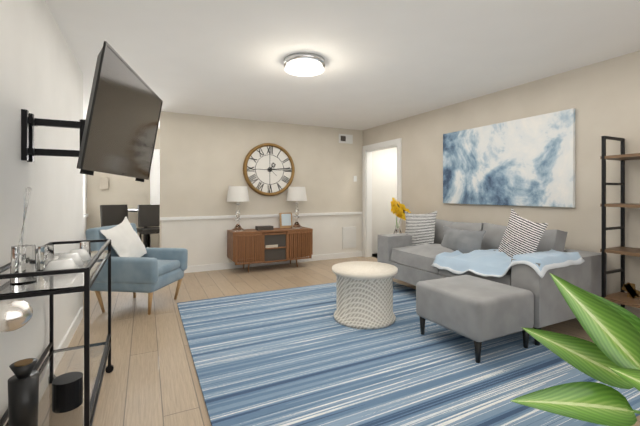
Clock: 1:14
